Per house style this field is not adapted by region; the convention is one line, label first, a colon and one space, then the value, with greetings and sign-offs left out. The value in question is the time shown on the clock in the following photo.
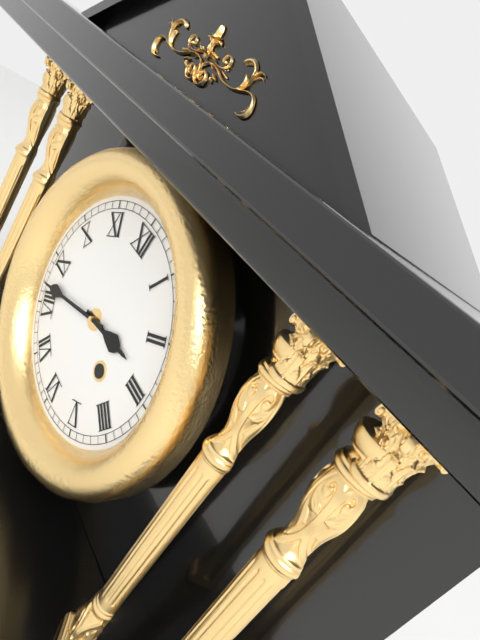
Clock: 2:42
